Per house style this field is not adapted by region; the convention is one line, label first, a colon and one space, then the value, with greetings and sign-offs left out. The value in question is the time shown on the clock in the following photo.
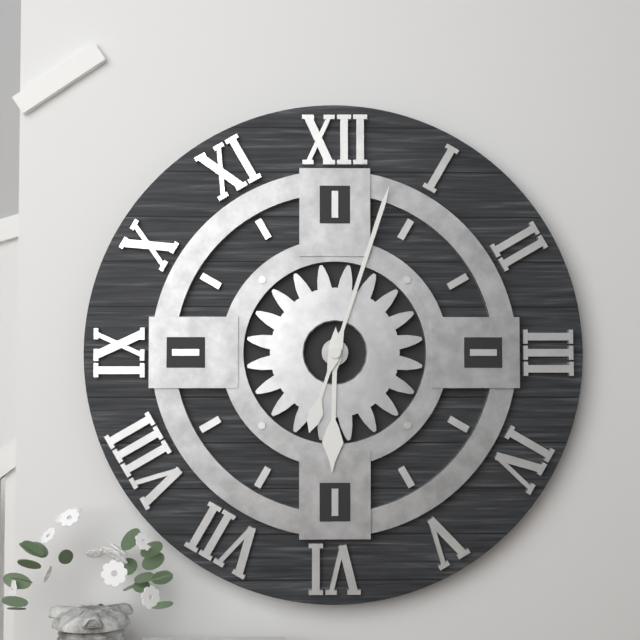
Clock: 6:03
